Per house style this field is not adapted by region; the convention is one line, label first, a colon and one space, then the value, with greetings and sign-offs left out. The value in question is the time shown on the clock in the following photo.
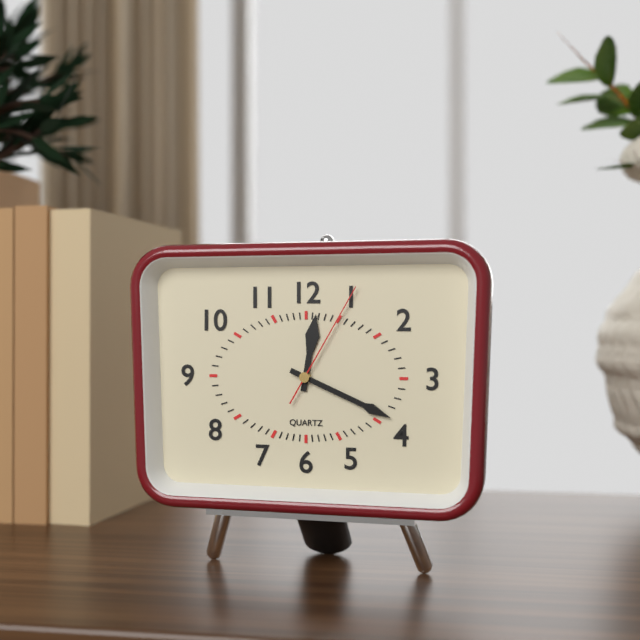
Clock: 12:19:05
